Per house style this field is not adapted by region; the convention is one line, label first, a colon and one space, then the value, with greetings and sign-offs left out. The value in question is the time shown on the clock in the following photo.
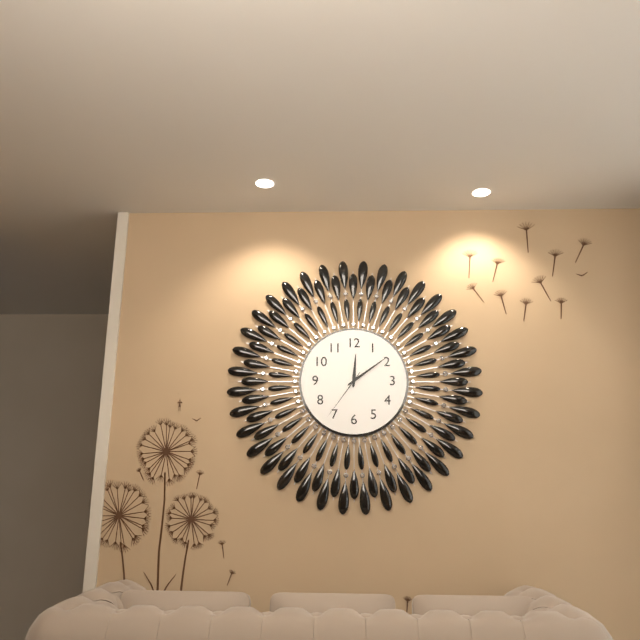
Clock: 12:09:36
